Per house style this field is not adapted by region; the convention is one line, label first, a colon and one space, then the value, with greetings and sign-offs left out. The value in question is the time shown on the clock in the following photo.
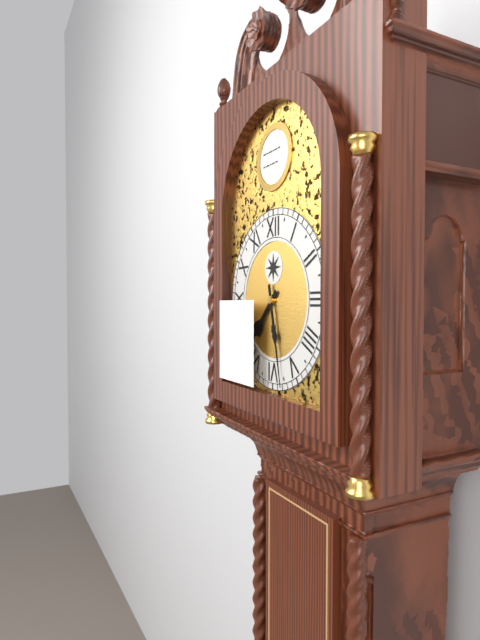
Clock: 7:28
